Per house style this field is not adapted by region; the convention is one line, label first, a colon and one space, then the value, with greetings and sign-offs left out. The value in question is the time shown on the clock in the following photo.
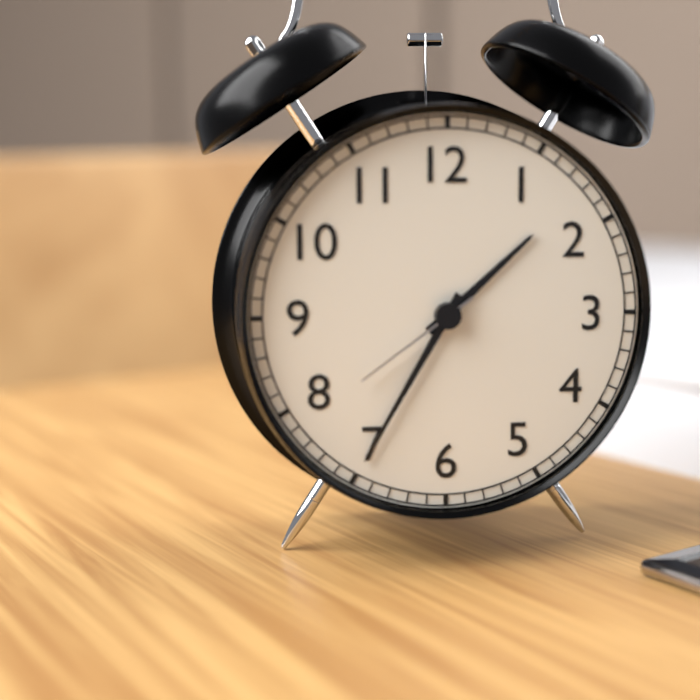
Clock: 1:35:39
